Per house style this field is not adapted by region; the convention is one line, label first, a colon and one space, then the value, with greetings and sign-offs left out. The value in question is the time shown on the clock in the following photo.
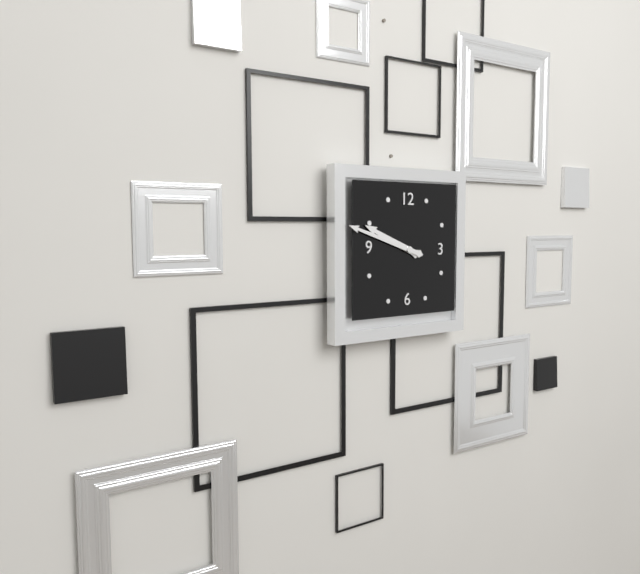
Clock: 9:48
